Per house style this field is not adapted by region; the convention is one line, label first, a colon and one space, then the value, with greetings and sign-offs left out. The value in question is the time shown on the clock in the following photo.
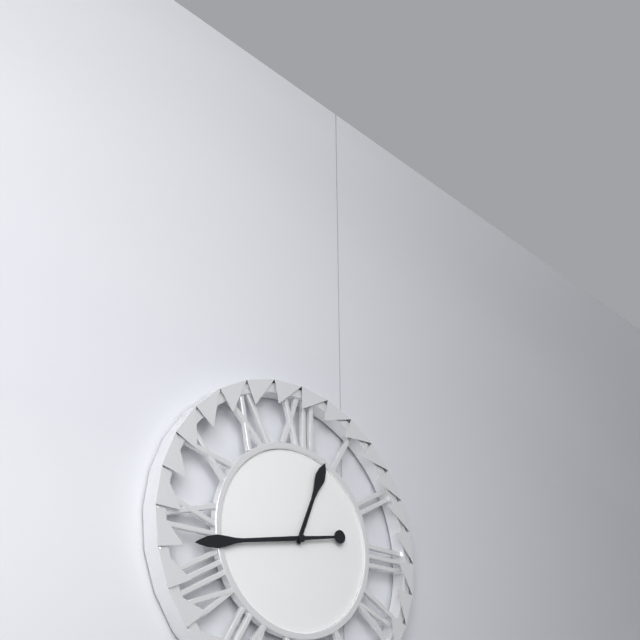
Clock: 12:43
